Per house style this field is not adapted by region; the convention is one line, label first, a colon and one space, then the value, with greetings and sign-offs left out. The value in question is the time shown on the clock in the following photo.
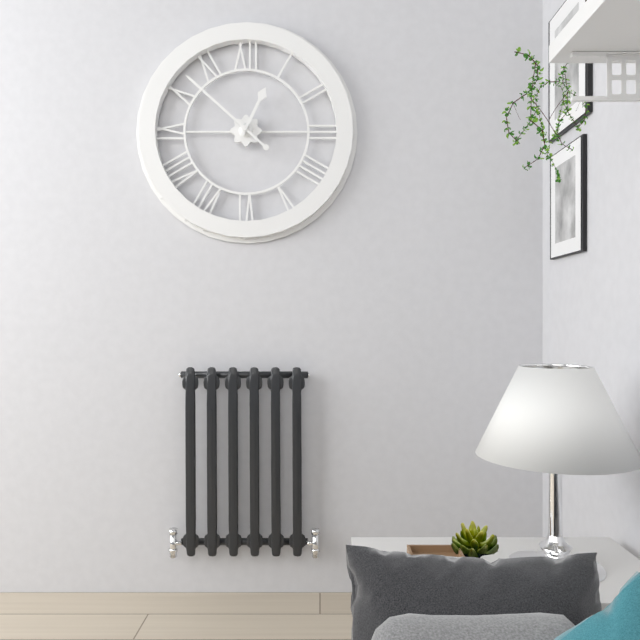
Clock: 12:52
